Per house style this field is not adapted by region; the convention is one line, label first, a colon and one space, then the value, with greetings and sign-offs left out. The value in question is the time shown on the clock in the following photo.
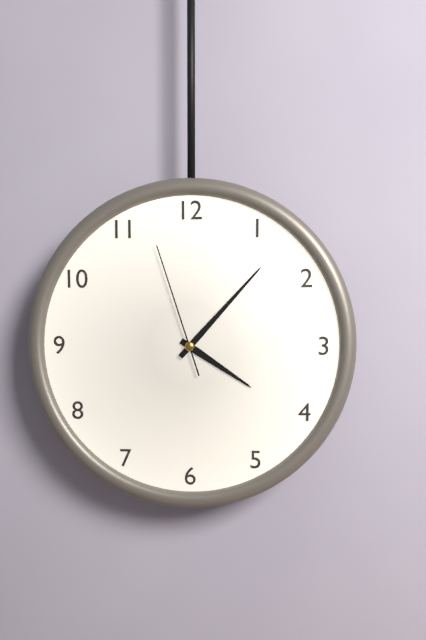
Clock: 4:07:57
